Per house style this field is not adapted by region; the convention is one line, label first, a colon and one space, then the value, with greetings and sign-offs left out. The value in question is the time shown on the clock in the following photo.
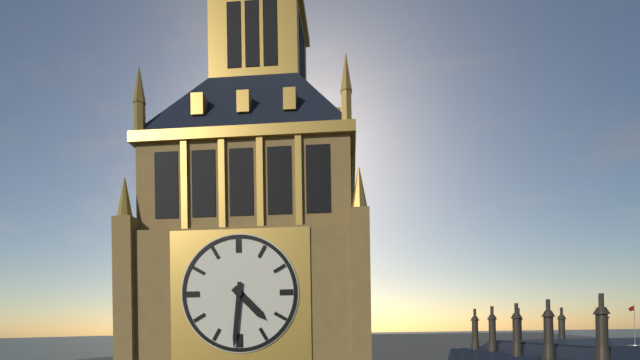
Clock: 4:31
